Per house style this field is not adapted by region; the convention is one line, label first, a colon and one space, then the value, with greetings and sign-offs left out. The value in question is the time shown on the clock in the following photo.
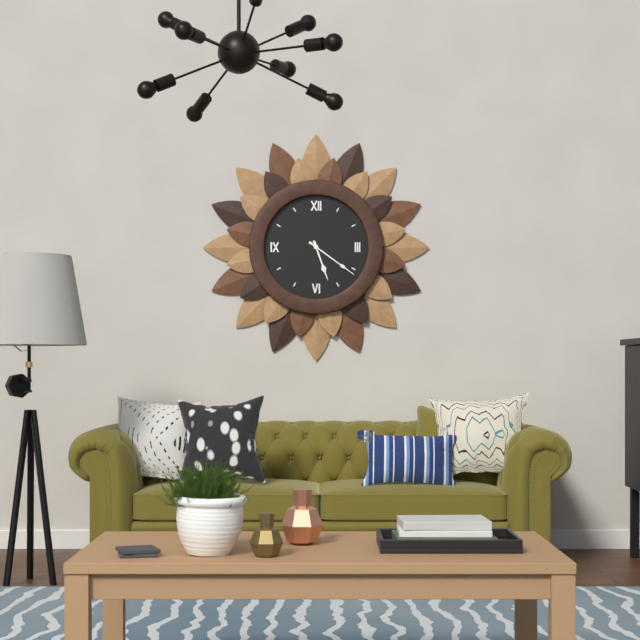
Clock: 5:21
